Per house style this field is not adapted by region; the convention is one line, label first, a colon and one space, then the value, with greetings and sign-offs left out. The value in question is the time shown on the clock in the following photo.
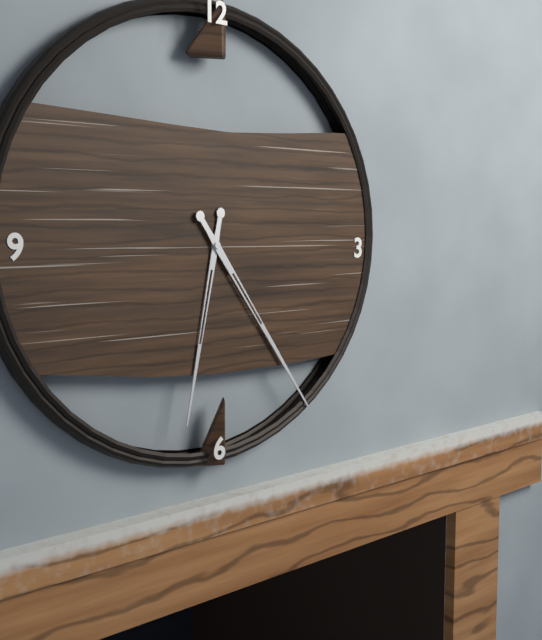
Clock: 6:24
